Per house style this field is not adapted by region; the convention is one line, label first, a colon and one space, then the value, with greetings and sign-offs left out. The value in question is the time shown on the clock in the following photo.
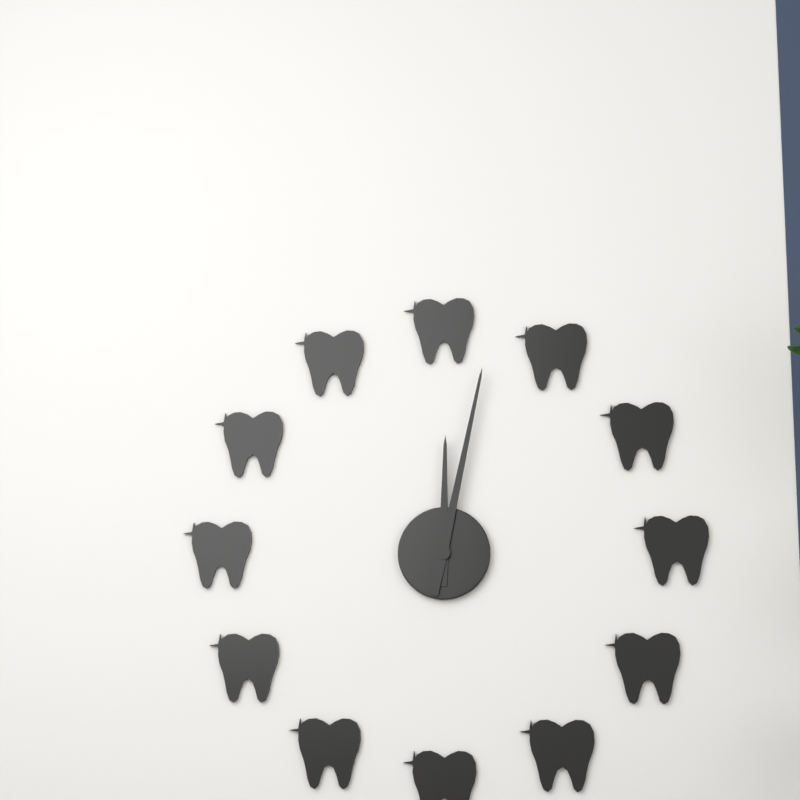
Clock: 12:02
